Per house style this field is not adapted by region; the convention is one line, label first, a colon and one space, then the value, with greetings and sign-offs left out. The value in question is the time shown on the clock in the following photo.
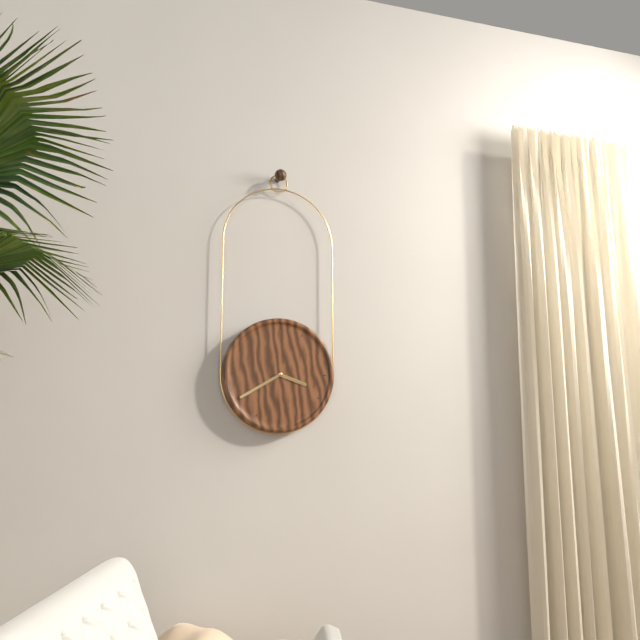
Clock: 3:40
